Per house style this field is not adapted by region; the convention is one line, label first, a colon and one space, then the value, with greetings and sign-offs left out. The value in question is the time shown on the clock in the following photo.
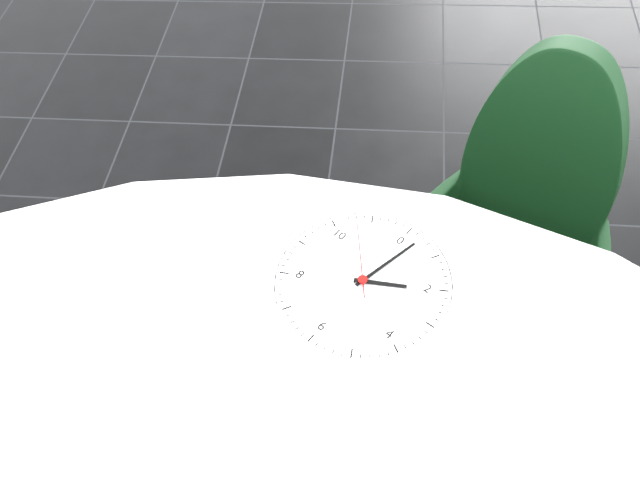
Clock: 2:02:53
